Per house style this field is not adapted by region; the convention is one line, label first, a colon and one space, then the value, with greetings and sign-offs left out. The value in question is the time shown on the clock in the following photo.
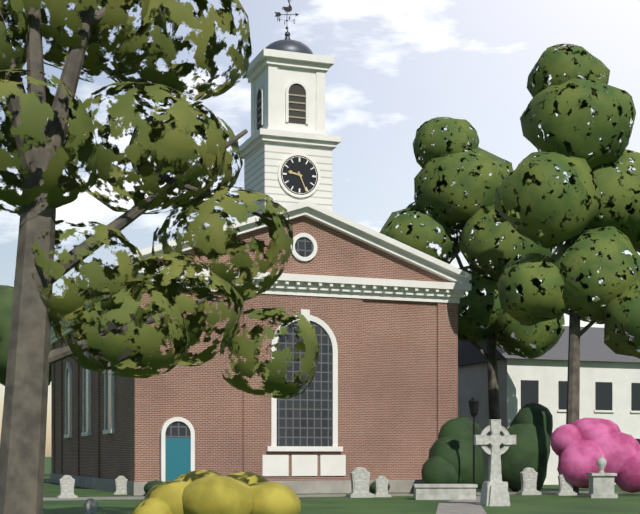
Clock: 9:26
